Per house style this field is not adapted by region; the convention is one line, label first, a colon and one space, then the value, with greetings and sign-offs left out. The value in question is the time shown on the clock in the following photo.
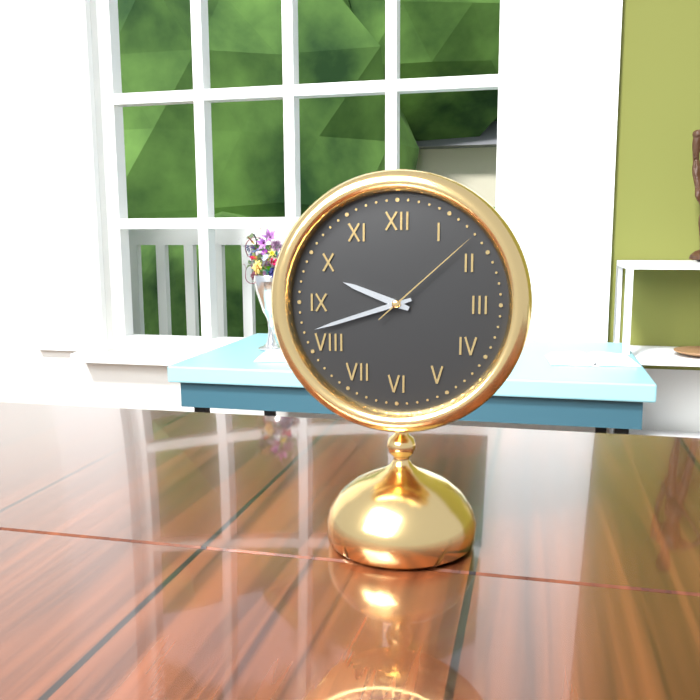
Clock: 9:42:08
